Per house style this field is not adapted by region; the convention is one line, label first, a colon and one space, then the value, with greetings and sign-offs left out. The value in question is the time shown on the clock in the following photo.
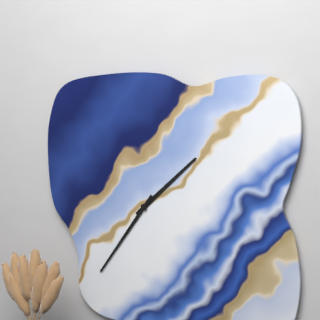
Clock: 1:36
